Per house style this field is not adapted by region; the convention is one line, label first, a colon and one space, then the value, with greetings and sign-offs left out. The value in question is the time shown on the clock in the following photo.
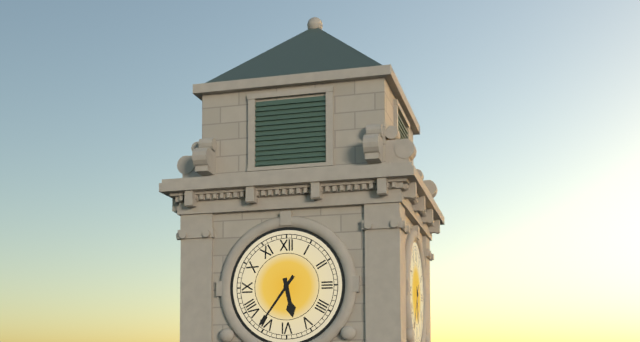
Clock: 5:36
